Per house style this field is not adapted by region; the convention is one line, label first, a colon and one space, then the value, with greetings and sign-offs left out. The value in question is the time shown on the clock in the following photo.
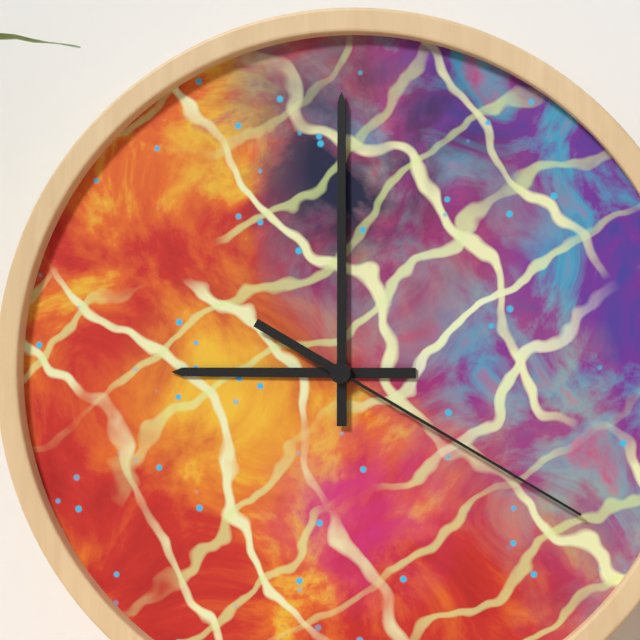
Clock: 9:00:20
